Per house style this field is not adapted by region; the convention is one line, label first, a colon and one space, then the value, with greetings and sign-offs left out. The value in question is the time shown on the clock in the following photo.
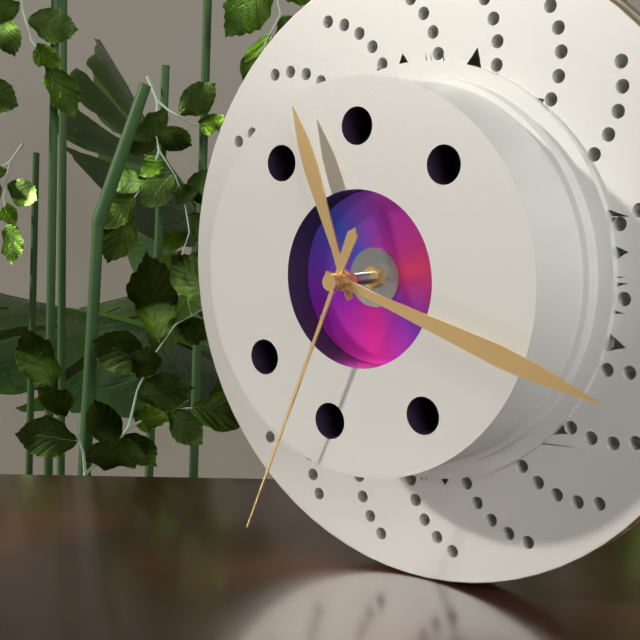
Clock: 11:18:34
